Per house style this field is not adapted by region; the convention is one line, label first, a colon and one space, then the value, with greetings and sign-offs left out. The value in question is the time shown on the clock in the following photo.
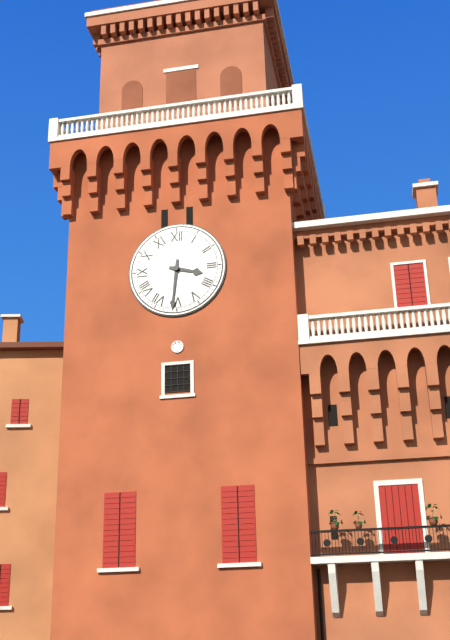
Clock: 3:31
